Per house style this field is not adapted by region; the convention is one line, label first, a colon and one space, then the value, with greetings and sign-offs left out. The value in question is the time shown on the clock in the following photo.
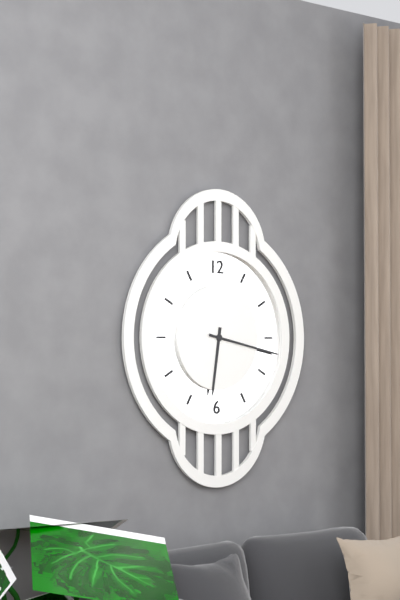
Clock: 6:17
